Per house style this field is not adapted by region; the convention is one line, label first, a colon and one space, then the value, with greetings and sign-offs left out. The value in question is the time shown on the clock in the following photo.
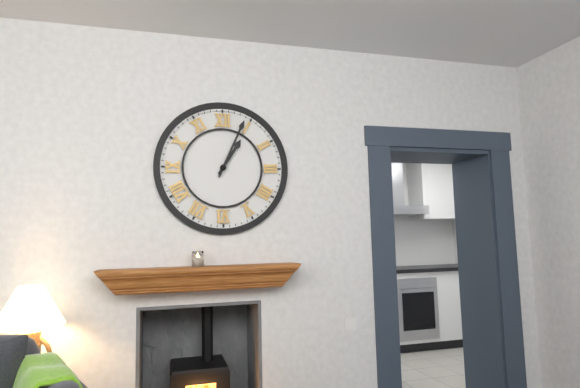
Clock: 1:04
